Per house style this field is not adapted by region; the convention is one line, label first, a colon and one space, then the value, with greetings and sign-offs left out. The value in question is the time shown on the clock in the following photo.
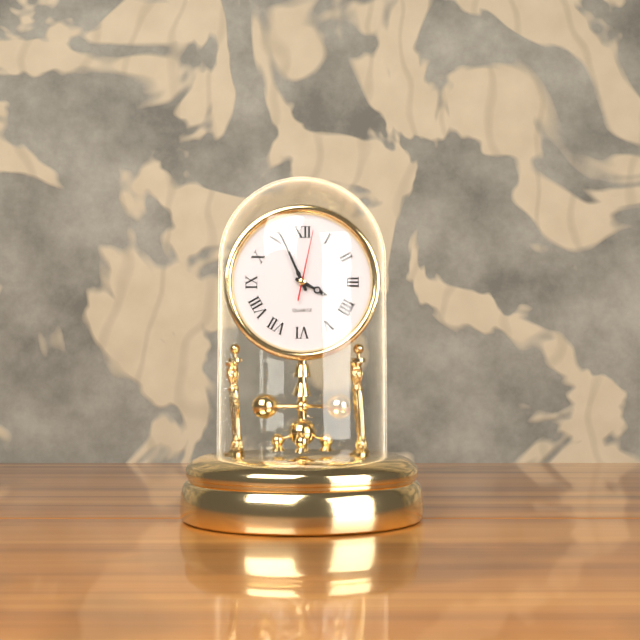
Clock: 3:56:02
